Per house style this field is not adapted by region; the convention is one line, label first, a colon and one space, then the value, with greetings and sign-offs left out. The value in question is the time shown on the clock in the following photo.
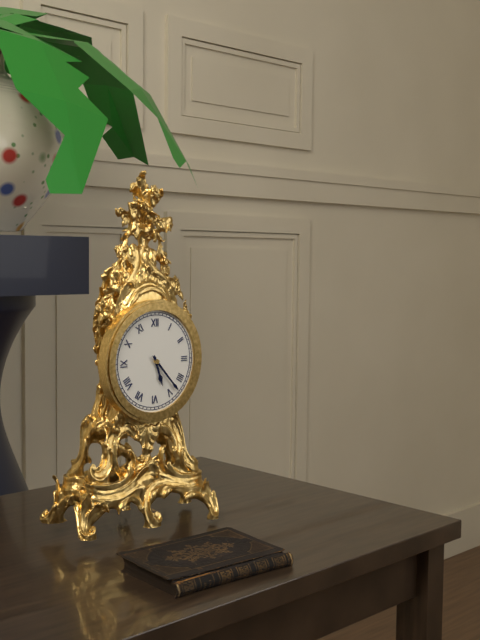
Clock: 5:23
